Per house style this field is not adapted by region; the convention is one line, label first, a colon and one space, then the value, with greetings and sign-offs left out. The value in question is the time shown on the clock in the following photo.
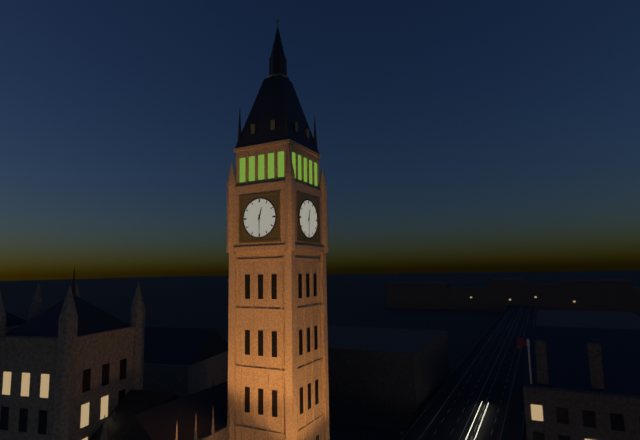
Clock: 12:30
